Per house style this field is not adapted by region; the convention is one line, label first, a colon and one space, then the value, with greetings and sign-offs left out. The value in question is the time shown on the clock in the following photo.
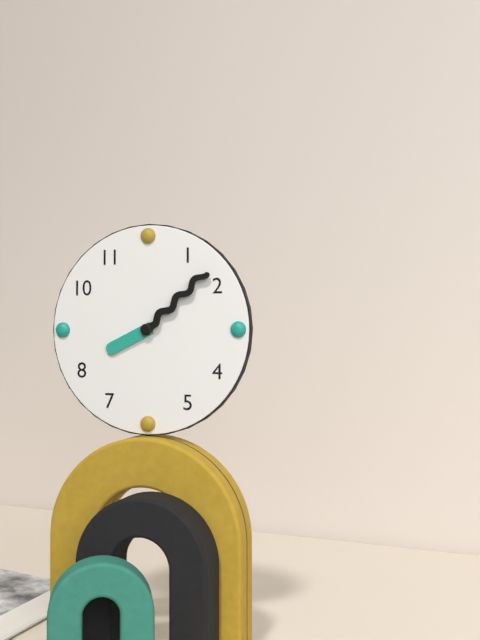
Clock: 8:08
